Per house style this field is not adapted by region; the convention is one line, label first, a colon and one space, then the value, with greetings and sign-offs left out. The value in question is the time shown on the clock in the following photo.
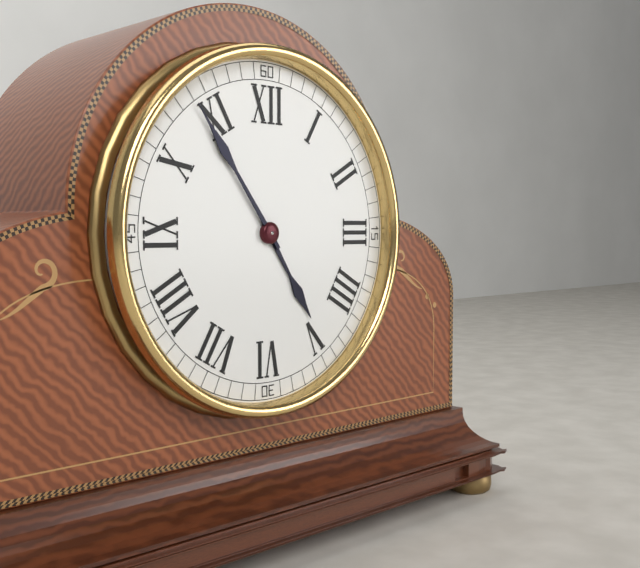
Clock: 4:54
